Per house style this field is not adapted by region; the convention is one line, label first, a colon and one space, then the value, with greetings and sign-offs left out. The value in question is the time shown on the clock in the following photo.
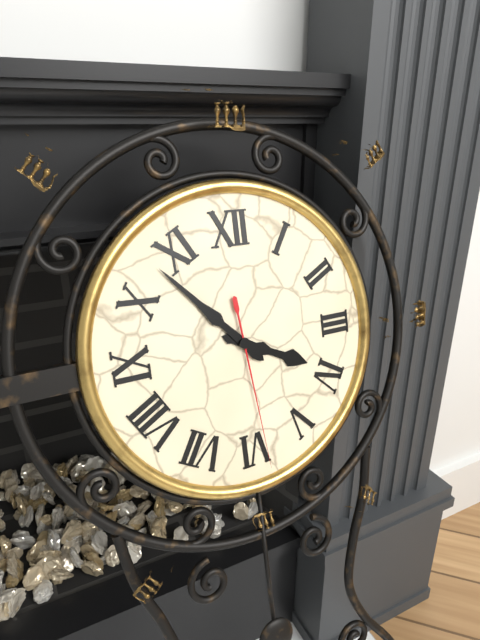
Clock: 3:53:29
